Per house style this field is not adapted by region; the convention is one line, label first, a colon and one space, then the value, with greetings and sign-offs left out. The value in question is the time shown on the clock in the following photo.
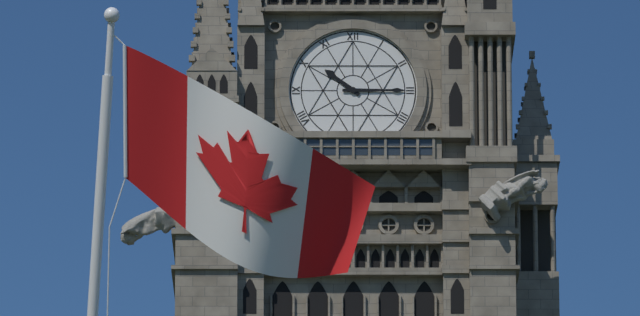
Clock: 10:15
